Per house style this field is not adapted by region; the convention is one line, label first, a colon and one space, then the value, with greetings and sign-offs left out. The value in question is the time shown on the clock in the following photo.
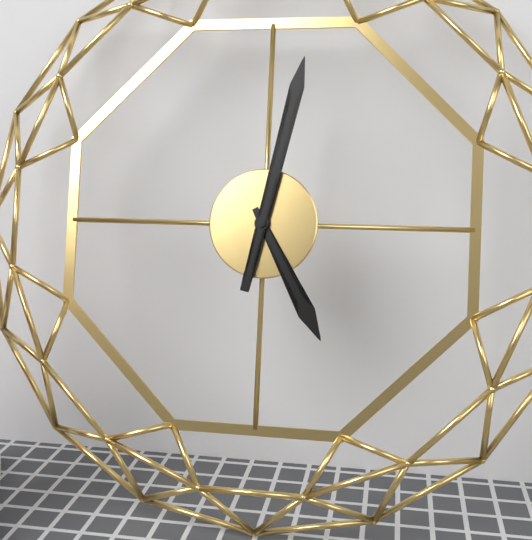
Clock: 5:02
